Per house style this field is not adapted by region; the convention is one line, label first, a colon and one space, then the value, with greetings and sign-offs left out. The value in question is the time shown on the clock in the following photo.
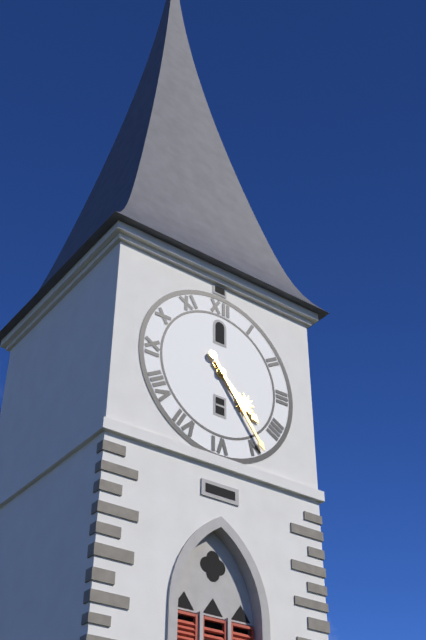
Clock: 4:24
